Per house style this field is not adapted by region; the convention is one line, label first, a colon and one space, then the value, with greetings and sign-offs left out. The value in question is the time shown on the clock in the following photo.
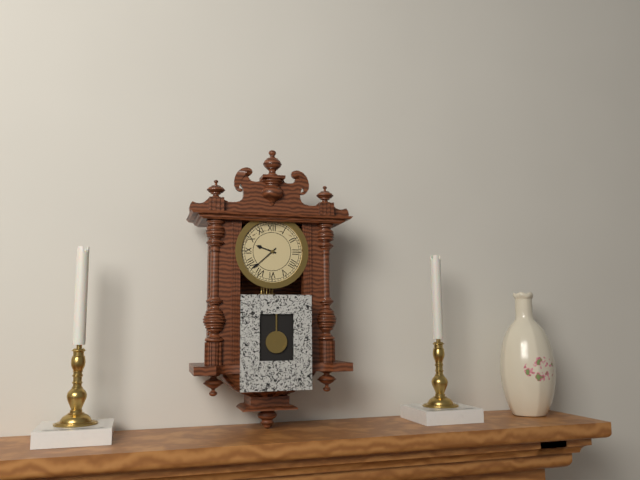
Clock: 9:38
